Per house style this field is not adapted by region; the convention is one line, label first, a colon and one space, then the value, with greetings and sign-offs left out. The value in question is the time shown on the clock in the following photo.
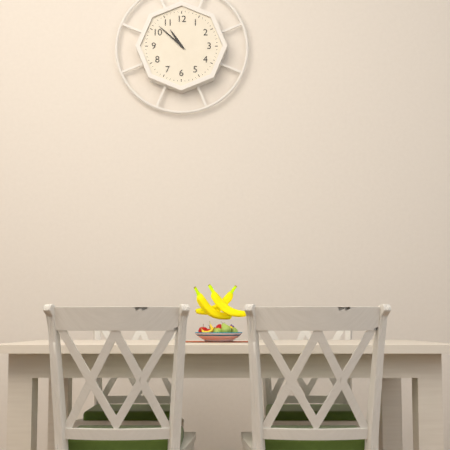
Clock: 10:52
